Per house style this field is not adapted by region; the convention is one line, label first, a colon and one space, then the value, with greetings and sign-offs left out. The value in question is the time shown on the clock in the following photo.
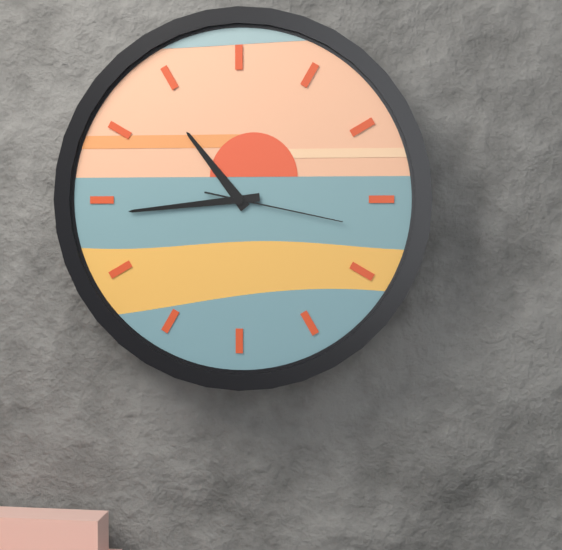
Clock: 10:44:17
